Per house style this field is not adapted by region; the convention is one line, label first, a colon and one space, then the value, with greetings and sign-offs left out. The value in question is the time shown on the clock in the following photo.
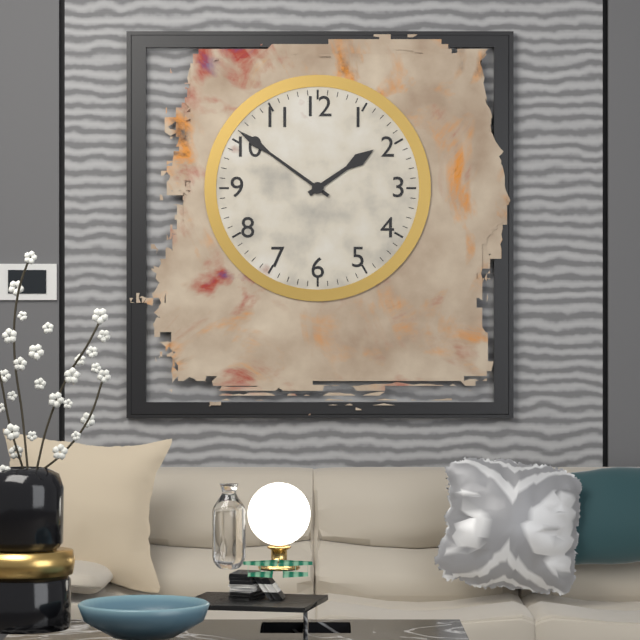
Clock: 1:51
